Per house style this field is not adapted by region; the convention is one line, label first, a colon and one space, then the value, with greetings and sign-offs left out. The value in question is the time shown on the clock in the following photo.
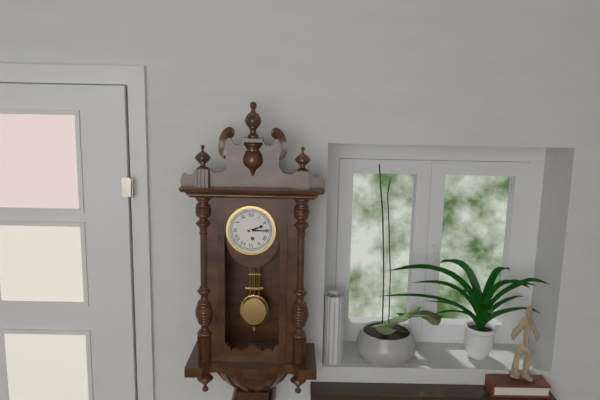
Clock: 2:15
